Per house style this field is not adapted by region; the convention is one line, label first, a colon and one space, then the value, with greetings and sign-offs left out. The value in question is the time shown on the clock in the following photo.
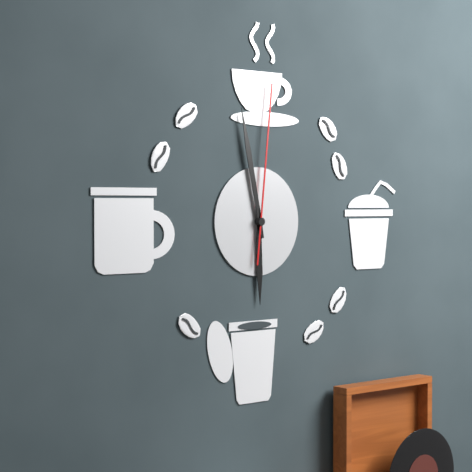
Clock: 5:58:01
